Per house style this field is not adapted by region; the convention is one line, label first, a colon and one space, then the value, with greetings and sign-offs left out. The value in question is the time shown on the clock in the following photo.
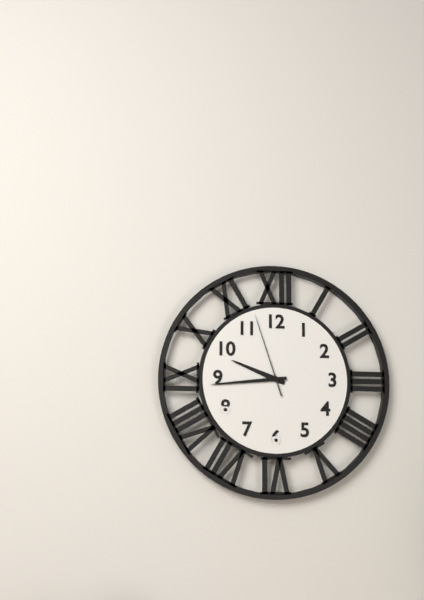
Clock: 9:44:57
